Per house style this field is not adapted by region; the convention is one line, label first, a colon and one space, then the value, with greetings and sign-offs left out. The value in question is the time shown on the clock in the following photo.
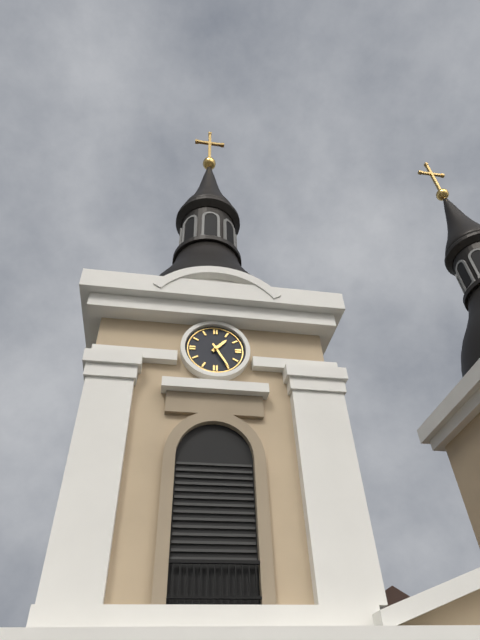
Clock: 1:25
